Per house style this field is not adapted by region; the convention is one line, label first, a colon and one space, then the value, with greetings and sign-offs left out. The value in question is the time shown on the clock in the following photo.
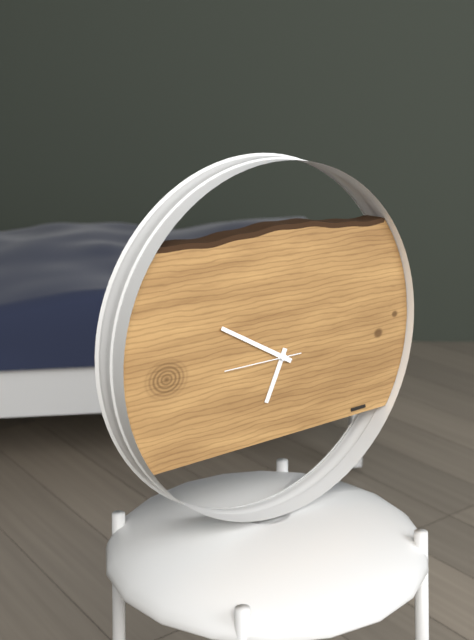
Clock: 6:50:45
